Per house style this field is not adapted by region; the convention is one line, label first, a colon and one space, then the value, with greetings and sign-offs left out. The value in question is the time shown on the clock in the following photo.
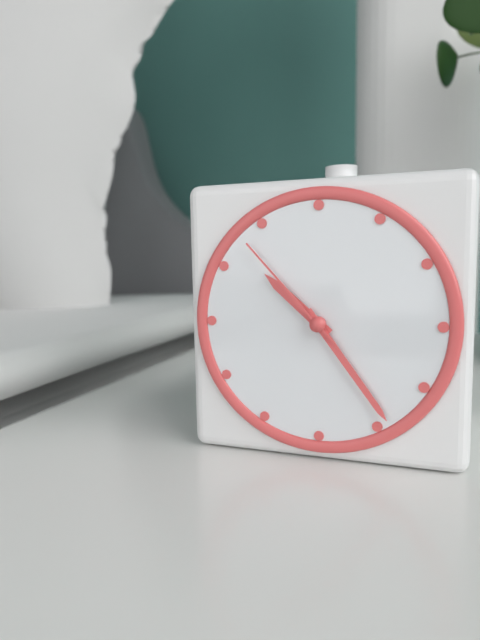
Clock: 10:24:53
